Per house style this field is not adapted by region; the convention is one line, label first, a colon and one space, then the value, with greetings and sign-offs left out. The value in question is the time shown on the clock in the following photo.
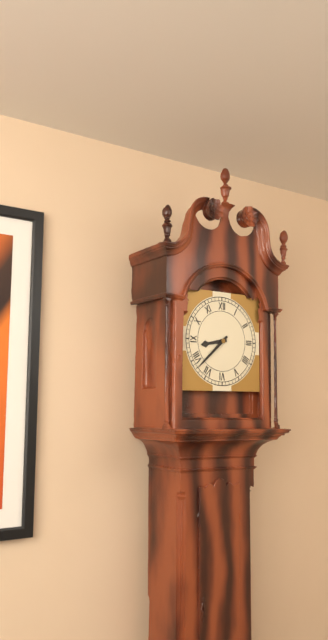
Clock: 8:38
